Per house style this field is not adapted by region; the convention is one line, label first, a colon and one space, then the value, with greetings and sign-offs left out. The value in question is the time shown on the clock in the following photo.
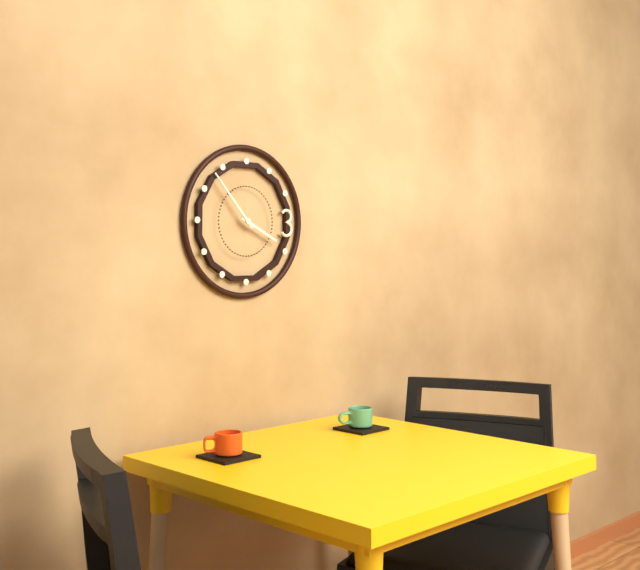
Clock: 3:53
